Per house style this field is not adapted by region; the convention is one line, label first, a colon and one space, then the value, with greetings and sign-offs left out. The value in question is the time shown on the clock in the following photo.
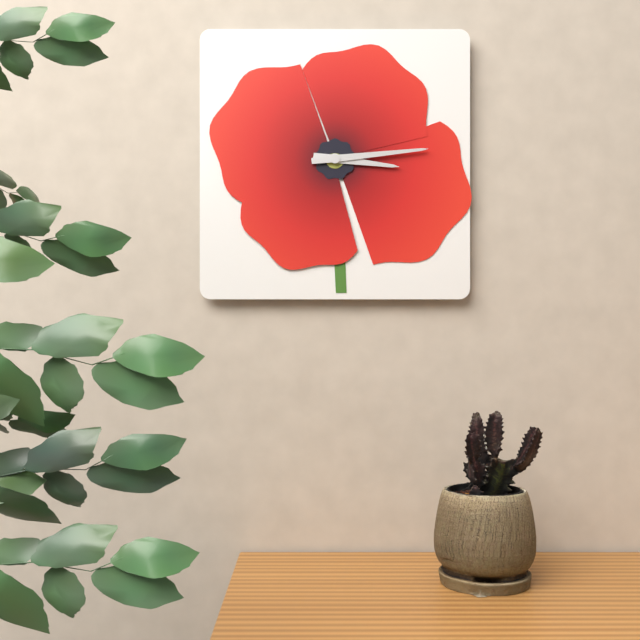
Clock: 3:14
